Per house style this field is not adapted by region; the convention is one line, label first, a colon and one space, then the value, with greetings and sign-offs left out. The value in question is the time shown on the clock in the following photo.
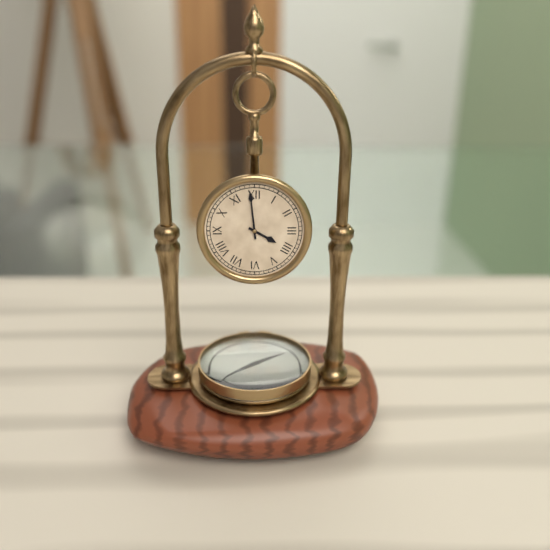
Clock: 3:59
